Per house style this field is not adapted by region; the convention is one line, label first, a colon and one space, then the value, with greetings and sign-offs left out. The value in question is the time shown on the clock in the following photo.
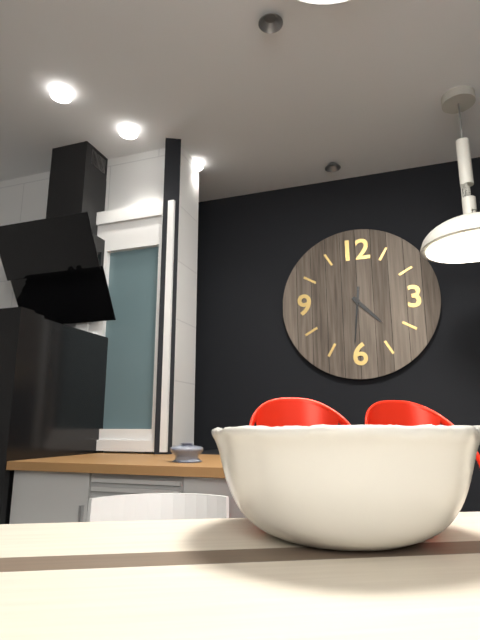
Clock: 4:31
